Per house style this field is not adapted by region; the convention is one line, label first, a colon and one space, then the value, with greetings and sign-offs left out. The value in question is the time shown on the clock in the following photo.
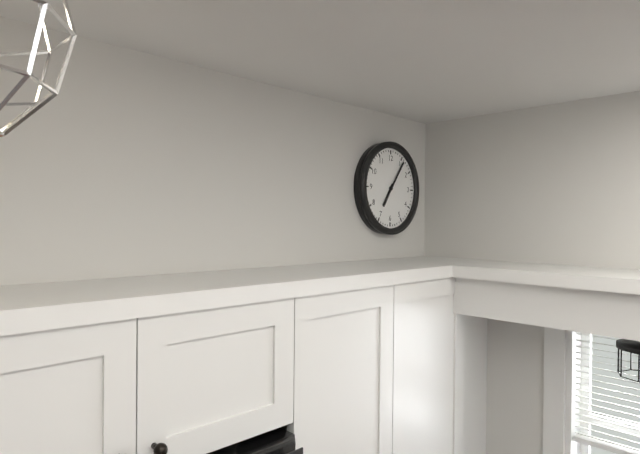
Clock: 7:06
